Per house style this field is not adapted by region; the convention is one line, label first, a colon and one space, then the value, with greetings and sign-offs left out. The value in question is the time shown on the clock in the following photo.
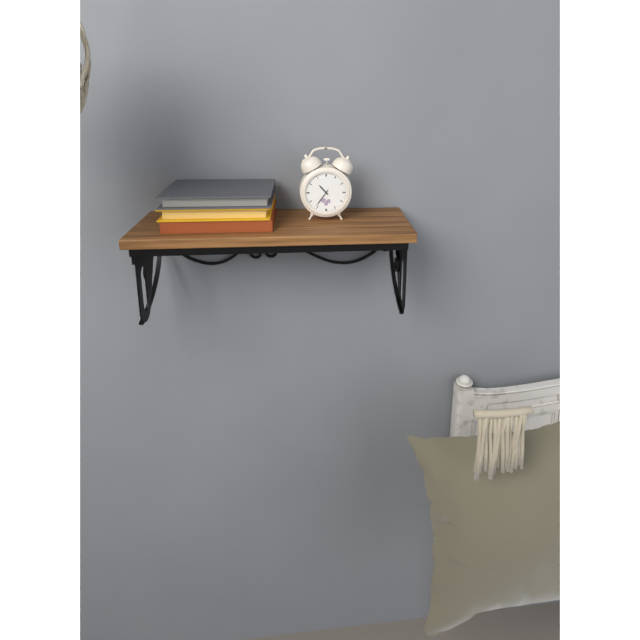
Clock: 10:36
